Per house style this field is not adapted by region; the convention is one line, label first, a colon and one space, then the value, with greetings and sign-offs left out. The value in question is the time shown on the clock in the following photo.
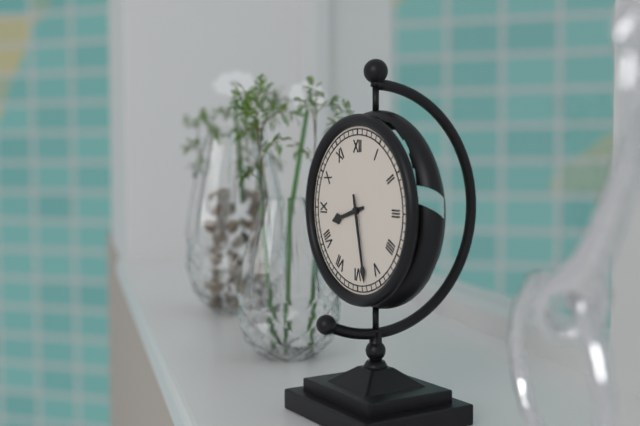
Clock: 8:28
